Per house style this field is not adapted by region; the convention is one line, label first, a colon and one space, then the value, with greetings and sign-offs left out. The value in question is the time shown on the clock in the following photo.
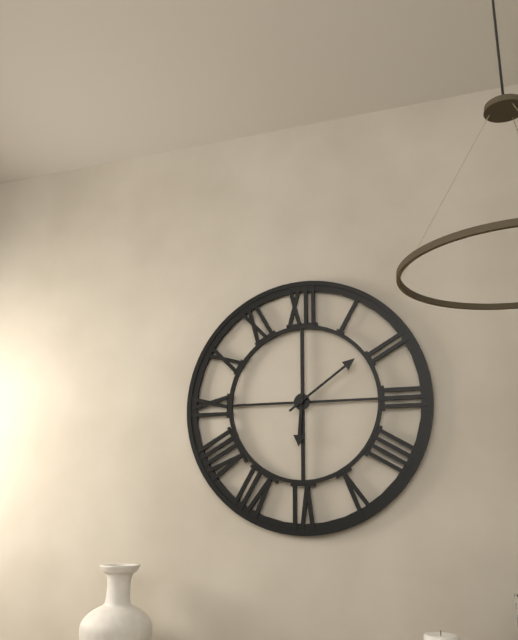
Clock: 6:09
